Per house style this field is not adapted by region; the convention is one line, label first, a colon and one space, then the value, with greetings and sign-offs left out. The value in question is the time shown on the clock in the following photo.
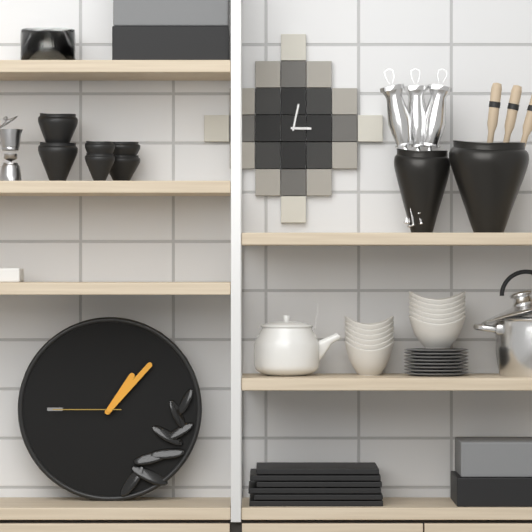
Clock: 1:07:45
